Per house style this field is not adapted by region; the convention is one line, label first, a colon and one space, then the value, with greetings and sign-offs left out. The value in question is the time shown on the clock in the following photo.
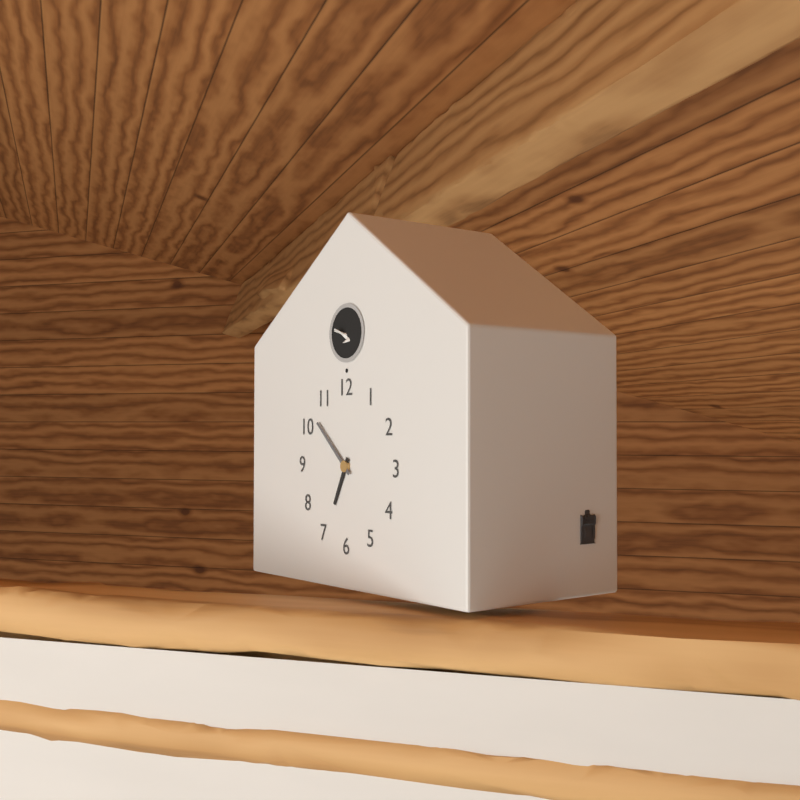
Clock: 6:52
